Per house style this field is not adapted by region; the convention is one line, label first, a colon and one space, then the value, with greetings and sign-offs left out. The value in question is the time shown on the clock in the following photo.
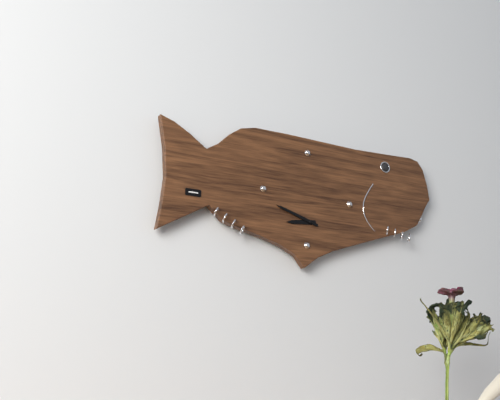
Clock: 8:48
